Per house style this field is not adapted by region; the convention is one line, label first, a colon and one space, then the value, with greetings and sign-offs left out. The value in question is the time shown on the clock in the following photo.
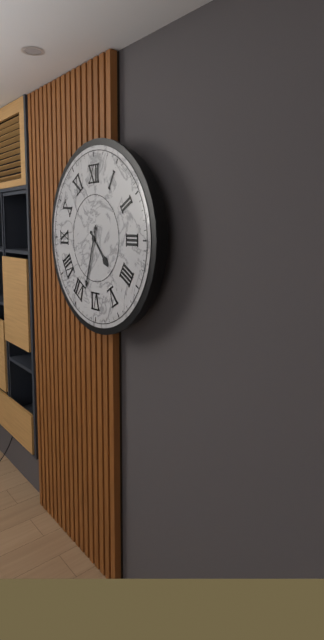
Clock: 4:33
